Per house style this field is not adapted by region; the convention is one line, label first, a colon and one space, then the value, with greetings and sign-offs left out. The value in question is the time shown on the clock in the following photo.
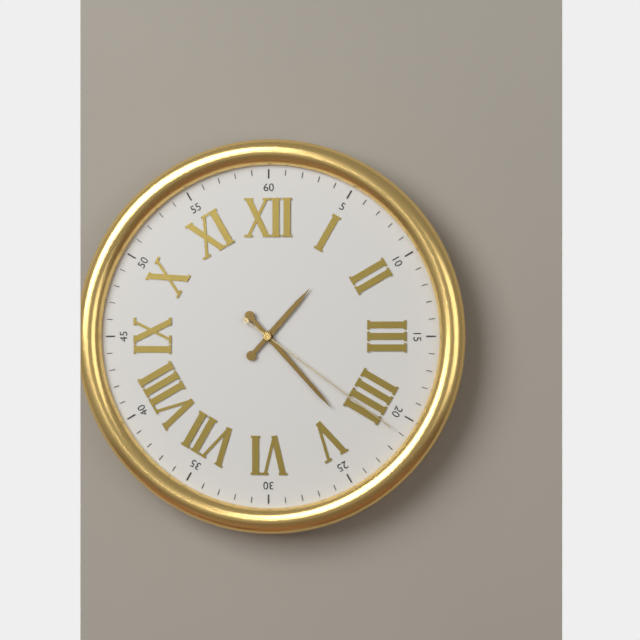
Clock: 1:23:21
